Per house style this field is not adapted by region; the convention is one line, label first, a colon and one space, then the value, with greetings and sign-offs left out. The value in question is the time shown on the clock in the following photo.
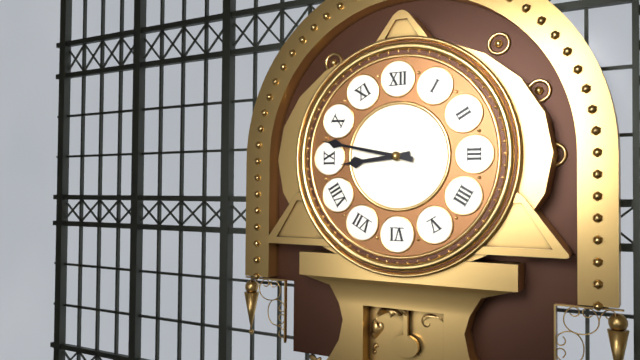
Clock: 8:47
